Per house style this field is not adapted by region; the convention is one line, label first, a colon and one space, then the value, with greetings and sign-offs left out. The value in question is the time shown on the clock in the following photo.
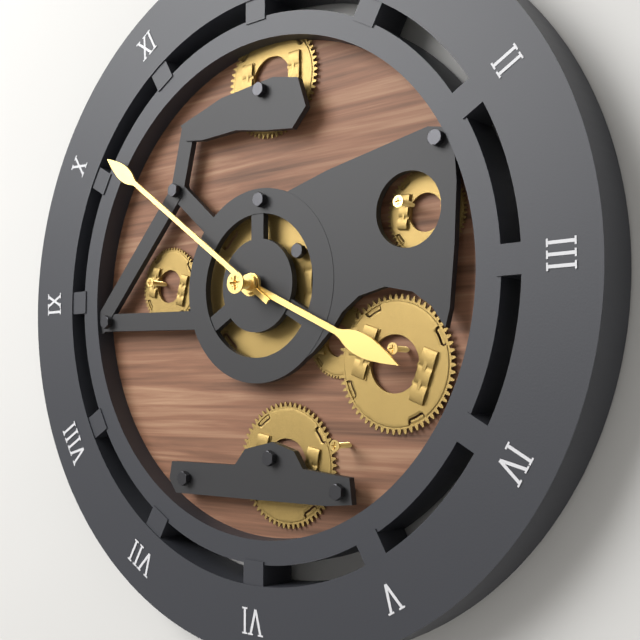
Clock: 3:51
